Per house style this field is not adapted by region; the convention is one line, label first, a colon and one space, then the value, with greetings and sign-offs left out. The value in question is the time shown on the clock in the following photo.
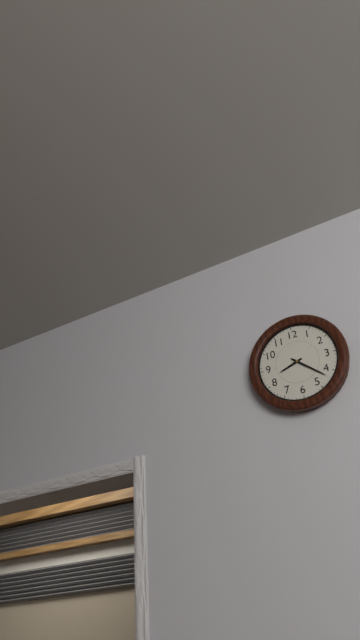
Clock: 8:22
